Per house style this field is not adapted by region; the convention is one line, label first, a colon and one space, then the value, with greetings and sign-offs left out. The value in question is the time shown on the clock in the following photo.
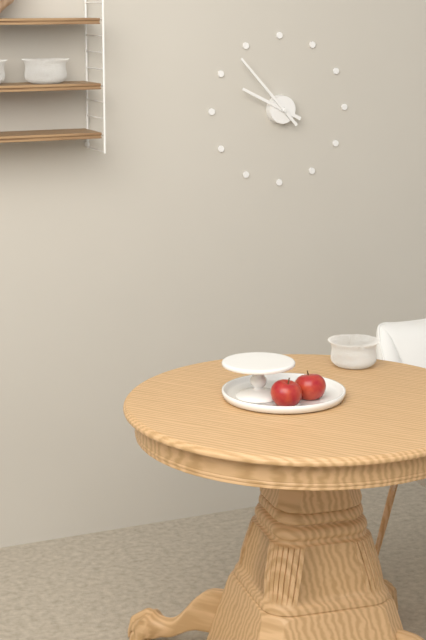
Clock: 9:53
